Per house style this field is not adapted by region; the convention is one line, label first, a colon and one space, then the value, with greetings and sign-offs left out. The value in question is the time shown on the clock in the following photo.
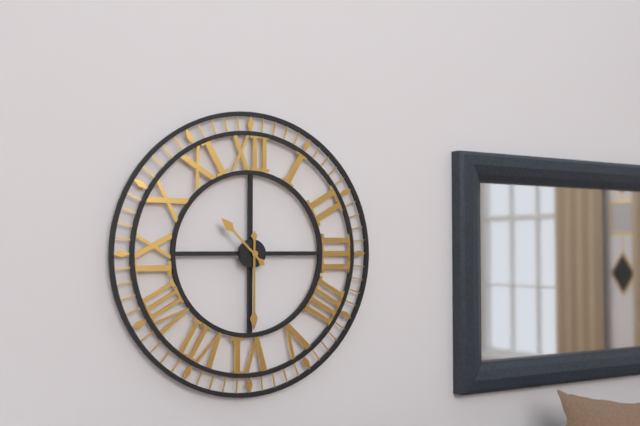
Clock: 10:30
